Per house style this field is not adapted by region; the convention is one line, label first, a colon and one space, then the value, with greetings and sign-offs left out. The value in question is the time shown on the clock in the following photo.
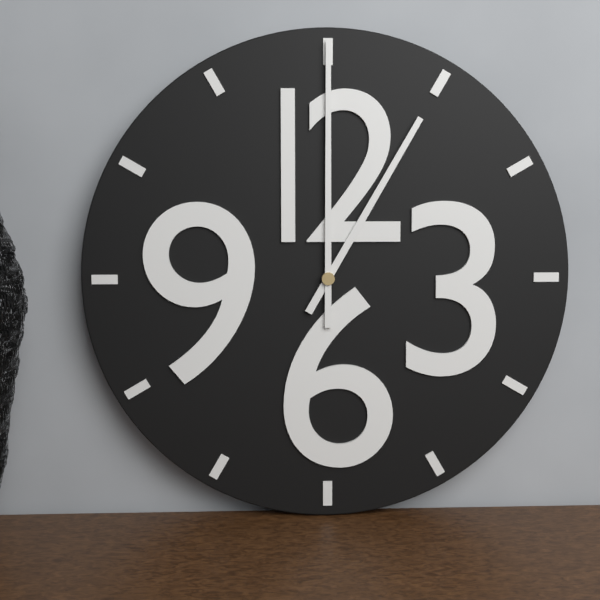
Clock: 1:00
